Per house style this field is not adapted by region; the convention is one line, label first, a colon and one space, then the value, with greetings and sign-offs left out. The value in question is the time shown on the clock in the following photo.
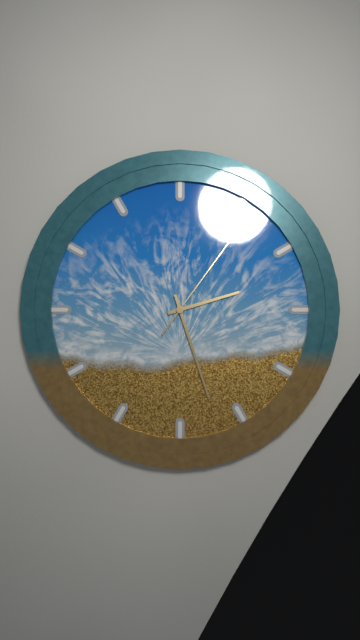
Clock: 2:27:06
